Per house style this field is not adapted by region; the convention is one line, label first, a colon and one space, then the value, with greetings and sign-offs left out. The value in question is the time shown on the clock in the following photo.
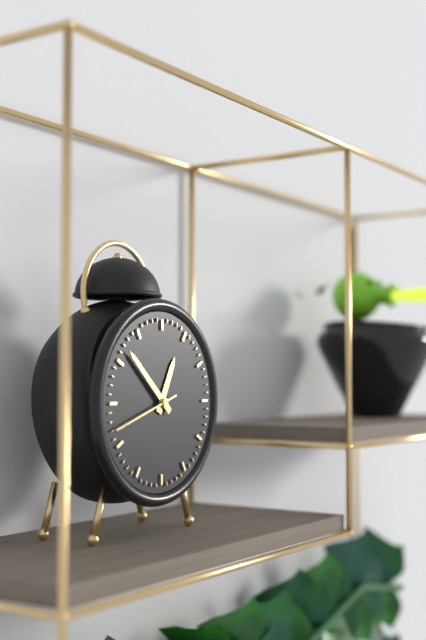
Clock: 12:52:42
